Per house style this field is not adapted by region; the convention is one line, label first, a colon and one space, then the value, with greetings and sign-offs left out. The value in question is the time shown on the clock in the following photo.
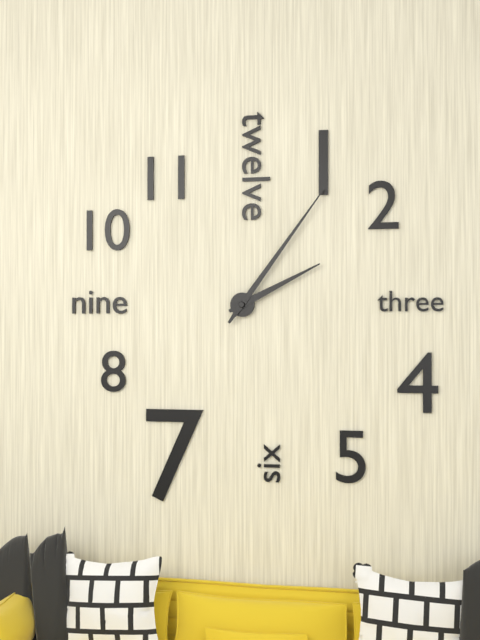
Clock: 2:06
